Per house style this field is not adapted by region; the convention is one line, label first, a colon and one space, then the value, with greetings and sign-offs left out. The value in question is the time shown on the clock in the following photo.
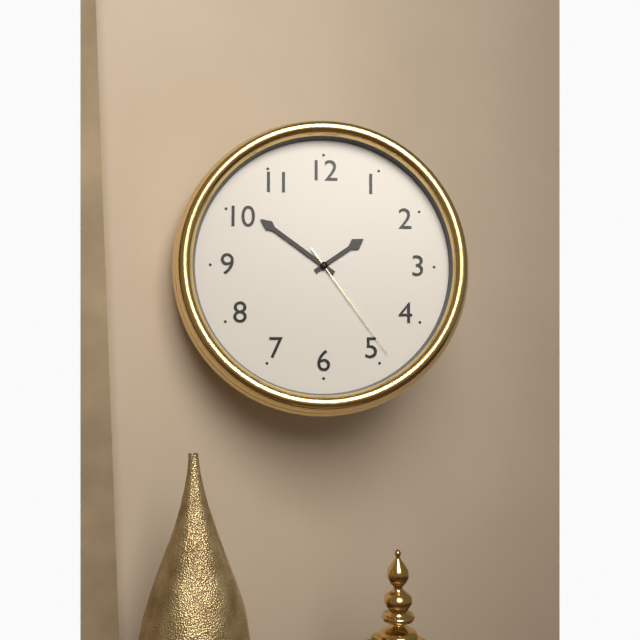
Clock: 1:51:24
